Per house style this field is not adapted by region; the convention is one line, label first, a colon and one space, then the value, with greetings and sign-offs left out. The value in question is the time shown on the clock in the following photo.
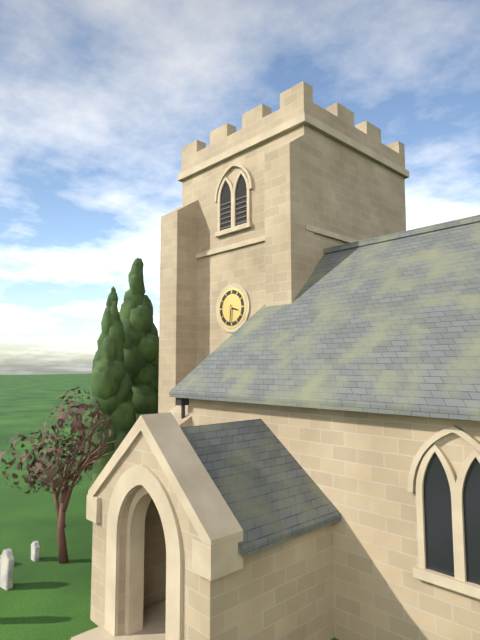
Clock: 3:31
